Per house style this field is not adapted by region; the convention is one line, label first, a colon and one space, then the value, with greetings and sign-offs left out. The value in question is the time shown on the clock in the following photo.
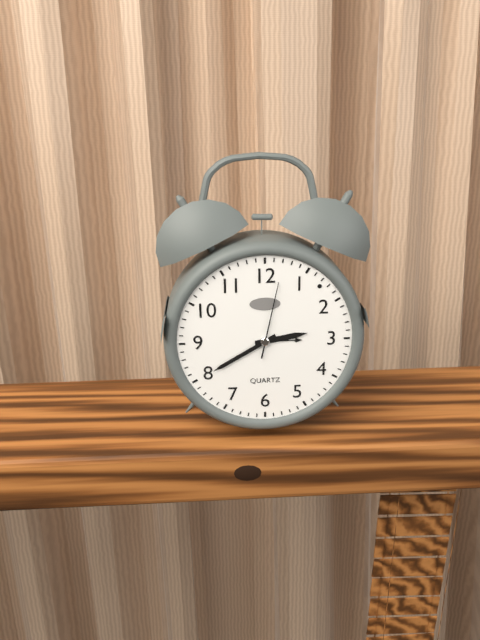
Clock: 2:40:02
